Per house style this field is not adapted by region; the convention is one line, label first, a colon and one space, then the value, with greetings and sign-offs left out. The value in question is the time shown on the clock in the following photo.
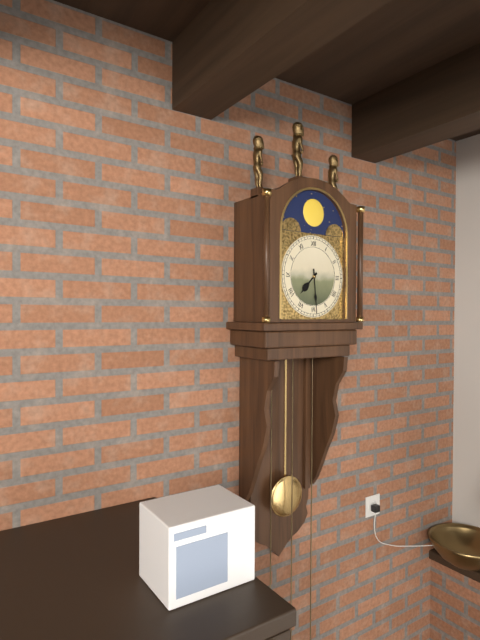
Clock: 7:29
